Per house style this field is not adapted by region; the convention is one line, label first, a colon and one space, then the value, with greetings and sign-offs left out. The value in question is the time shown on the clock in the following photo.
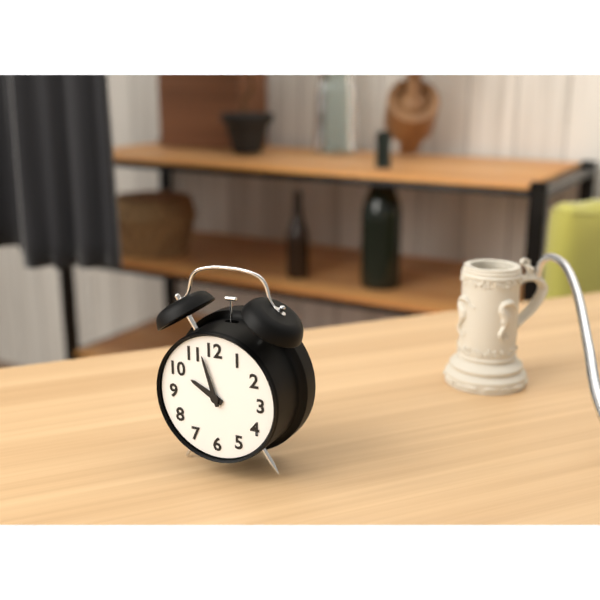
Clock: 9:57
